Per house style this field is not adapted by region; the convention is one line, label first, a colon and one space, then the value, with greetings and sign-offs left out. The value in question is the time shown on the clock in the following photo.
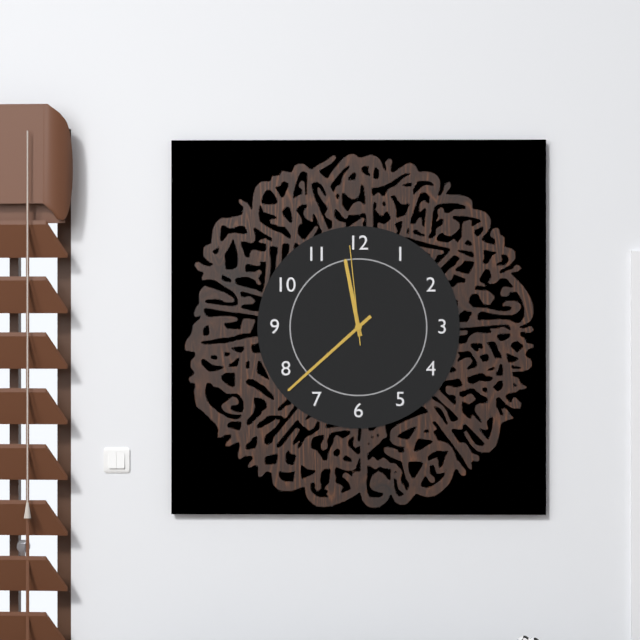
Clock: 11:38:59
